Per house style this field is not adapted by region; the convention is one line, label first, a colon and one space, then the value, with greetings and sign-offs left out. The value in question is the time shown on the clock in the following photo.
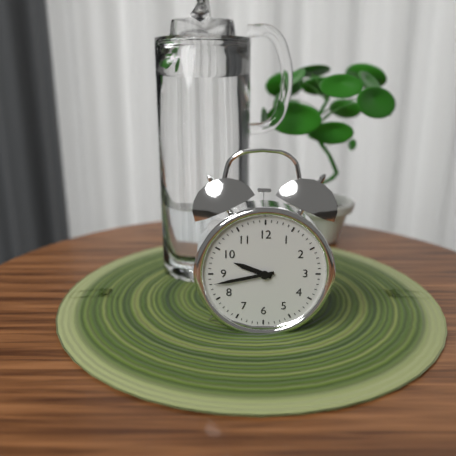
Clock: 9:43
